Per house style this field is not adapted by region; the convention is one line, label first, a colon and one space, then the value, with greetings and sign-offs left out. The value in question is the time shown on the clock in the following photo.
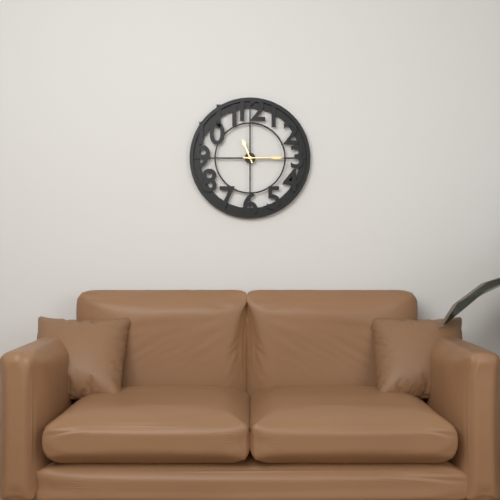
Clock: 11:15
